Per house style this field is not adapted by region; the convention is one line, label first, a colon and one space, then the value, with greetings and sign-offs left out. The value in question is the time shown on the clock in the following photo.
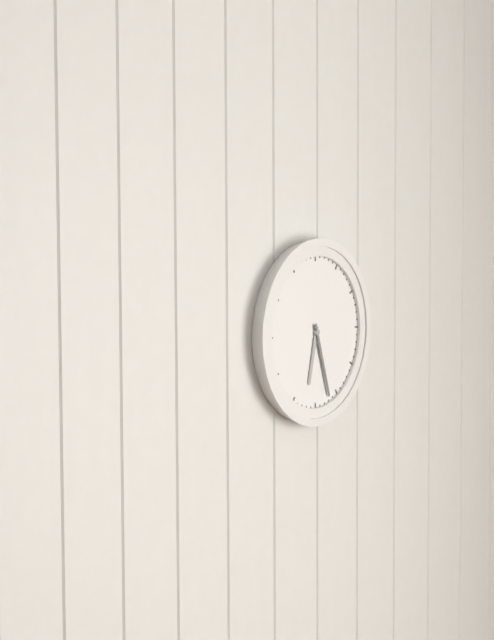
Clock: 6:27
